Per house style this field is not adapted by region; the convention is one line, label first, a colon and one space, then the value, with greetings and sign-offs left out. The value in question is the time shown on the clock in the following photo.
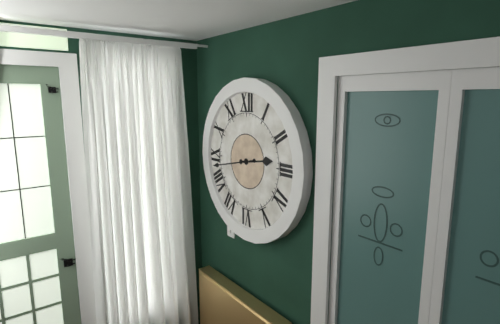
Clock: 2:43
